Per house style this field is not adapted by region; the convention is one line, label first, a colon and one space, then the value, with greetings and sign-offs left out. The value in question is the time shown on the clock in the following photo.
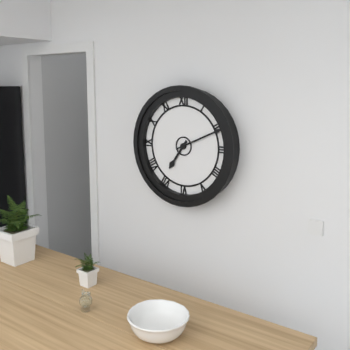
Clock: 7:11
